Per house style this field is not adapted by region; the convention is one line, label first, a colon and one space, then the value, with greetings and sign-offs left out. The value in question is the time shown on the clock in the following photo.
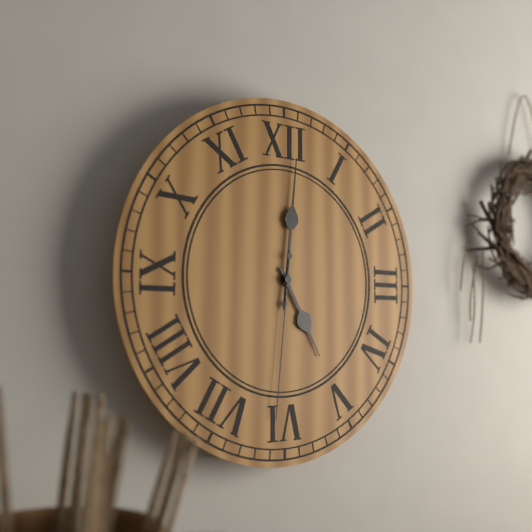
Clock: 5:01:31
